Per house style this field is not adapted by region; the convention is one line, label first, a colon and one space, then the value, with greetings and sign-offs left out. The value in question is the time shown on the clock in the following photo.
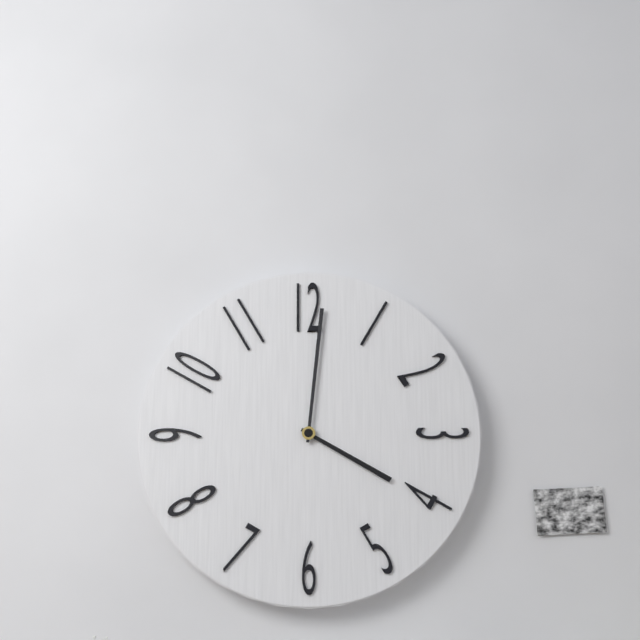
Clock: 4:01
